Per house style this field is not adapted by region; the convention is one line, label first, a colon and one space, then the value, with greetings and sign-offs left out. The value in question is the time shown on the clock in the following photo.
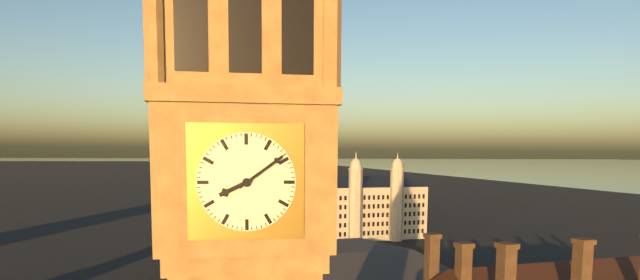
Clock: 8:09
